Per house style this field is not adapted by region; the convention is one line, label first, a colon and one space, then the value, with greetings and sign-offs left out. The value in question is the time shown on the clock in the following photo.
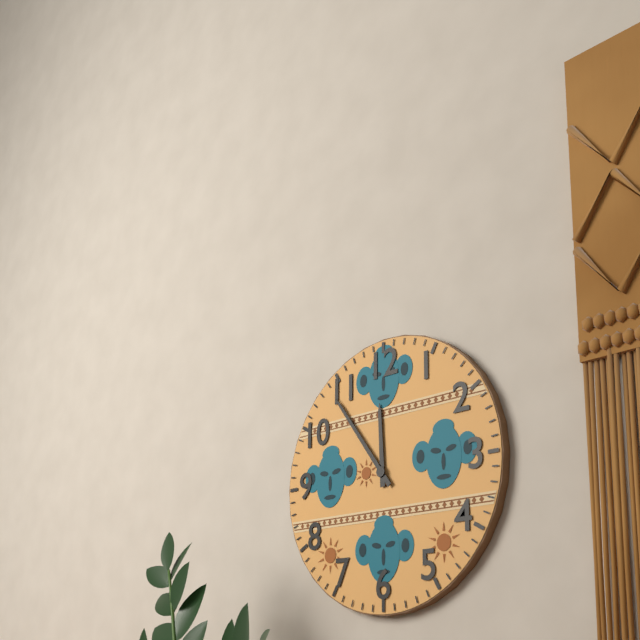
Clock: 11:54
